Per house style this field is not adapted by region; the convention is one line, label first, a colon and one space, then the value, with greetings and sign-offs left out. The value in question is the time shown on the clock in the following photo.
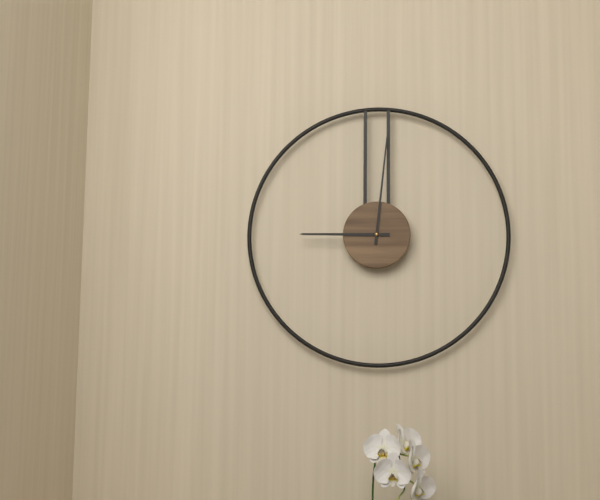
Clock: 9:01
